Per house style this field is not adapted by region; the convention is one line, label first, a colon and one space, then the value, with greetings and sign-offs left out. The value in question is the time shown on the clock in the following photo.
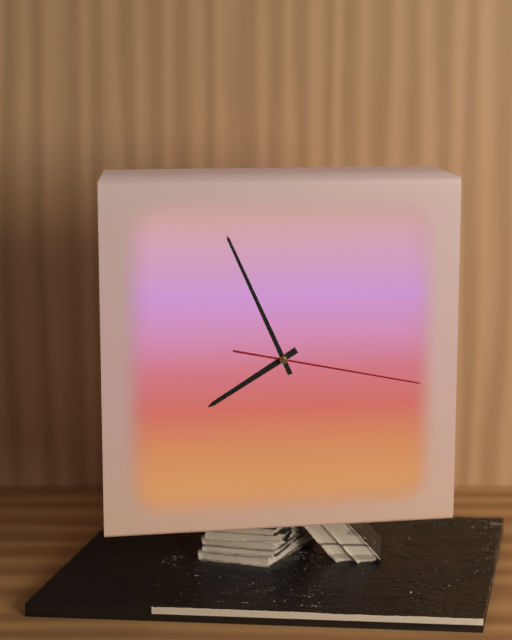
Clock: 7:56:17
